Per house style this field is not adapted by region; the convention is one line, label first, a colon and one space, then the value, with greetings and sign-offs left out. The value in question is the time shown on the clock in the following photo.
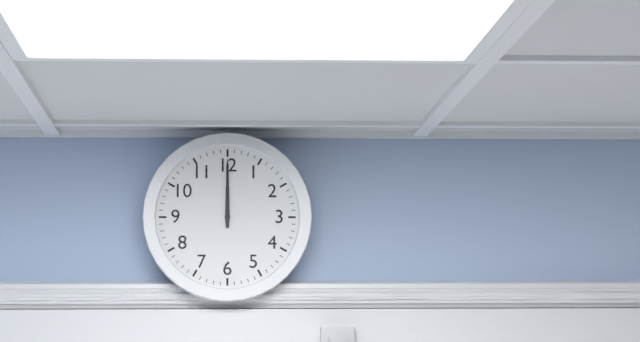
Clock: 12:00
